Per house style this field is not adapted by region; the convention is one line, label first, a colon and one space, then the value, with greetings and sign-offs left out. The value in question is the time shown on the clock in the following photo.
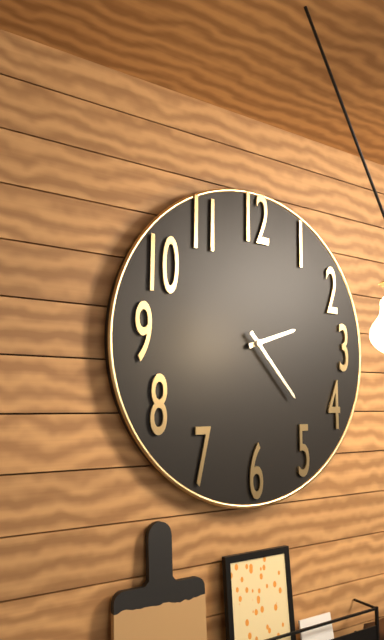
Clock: 2:23
